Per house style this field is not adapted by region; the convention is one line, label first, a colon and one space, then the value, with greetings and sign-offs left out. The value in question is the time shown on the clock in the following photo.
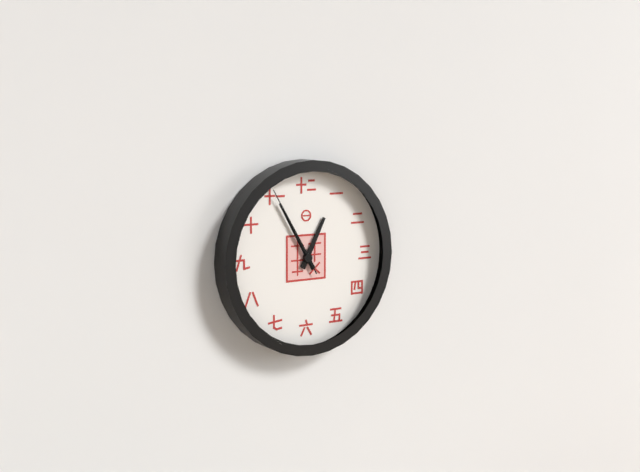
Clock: 12:55:55
